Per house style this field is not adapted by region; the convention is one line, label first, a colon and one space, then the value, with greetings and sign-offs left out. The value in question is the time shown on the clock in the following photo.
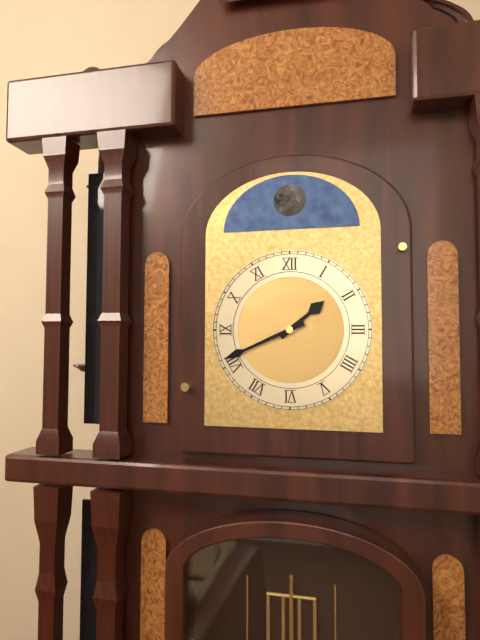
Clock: 1:41
